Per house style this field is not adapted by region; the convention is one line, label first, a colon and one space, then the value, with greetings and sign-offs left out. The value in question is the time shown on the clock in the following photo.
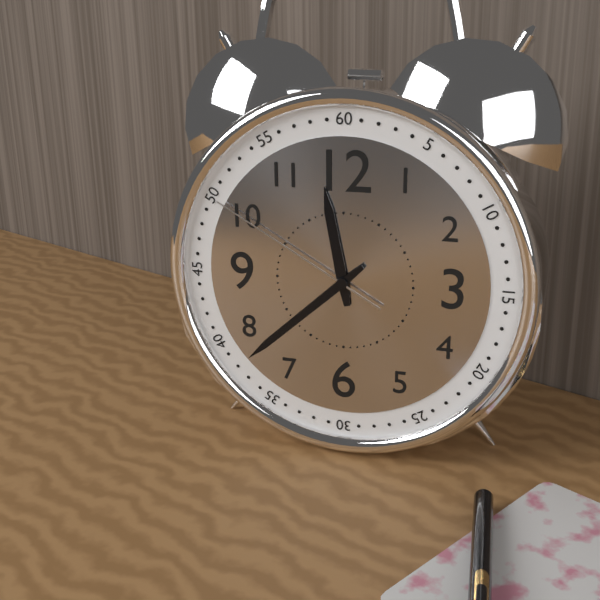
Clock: 11:38:50
